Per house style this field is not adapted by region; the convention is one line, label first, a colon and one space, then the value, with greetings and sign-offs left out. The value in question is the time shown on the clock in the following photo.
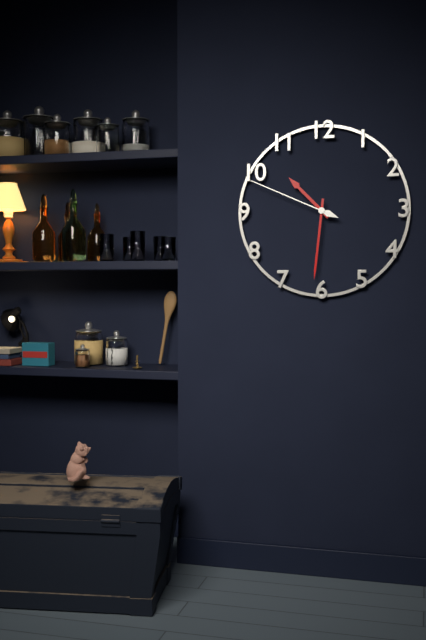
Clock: 10:31:49
